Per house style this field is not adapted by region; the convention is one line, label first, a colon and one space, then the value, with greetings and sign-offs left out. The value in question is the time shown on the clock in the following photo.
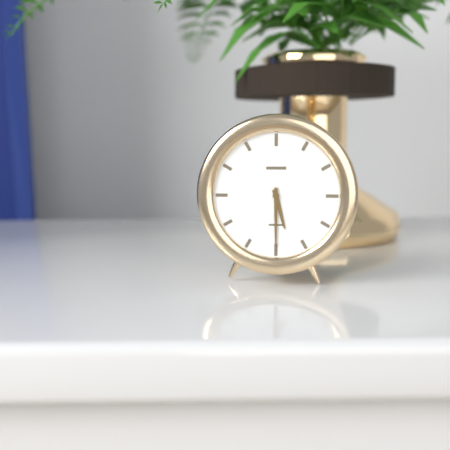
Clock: 5:30
